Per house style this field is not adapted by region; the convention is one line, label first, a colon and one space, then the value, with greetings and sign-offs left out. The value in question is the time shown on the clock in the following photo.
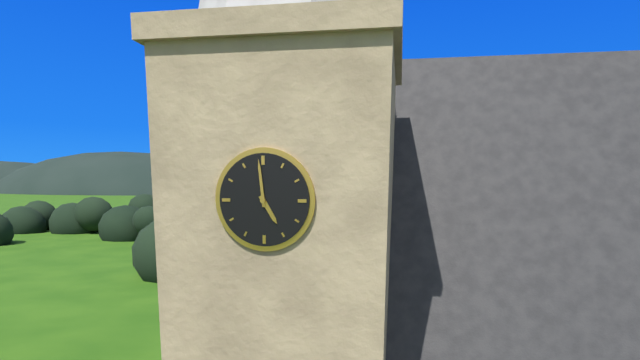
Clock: 4:59
